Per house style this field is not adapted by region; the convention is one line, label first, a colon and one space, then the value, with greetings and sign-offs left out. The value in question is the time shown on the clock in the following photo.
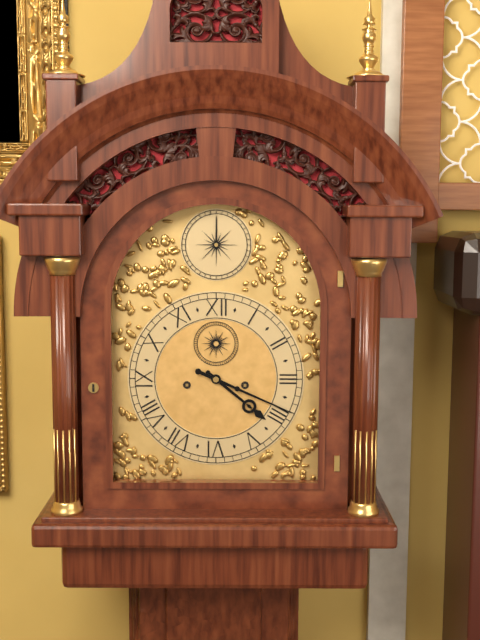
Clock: 4:19
